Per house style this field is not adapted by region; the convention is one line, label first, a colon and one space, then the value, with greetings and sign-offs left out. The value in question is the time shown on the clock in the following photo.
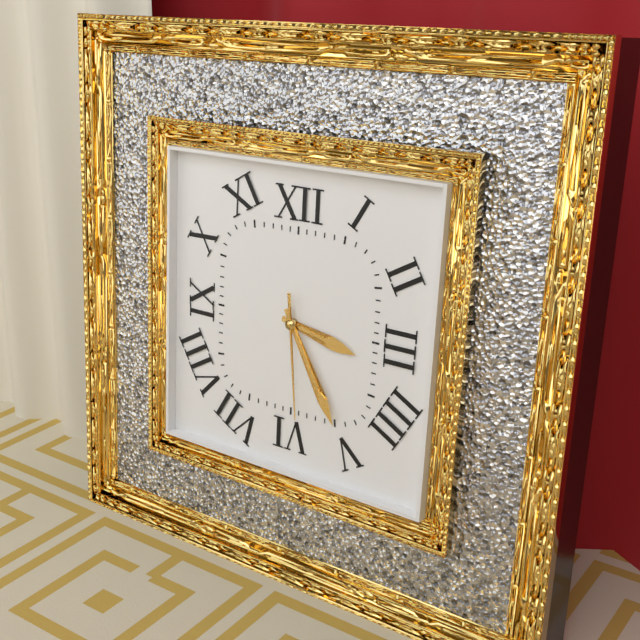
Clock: 3:25:29
